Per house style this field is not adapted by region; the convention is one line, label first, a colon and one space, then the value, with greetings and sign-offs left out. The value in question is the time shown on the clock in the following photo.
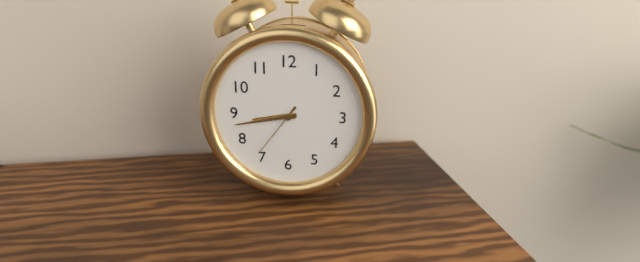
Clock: 8:43:36
